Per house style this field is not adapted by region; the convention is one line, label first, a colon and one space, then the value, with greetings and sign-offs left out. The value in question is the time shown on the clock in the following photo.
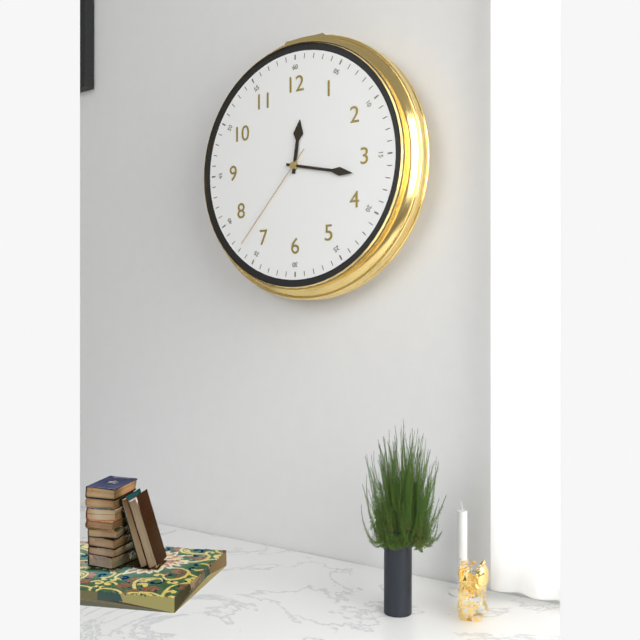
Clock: 12:17:37
